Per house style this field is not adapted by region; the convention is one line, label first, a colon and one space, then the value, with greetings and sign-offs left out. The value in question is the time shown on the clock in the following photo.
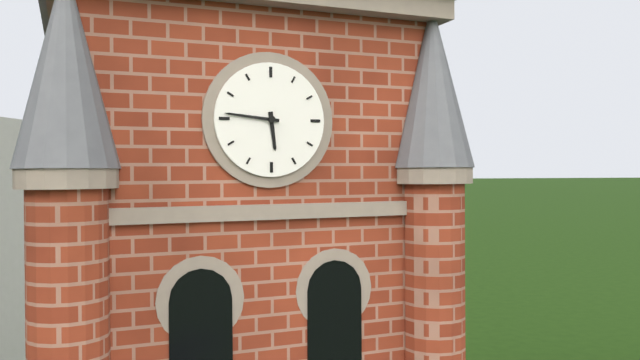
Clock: 5:46
